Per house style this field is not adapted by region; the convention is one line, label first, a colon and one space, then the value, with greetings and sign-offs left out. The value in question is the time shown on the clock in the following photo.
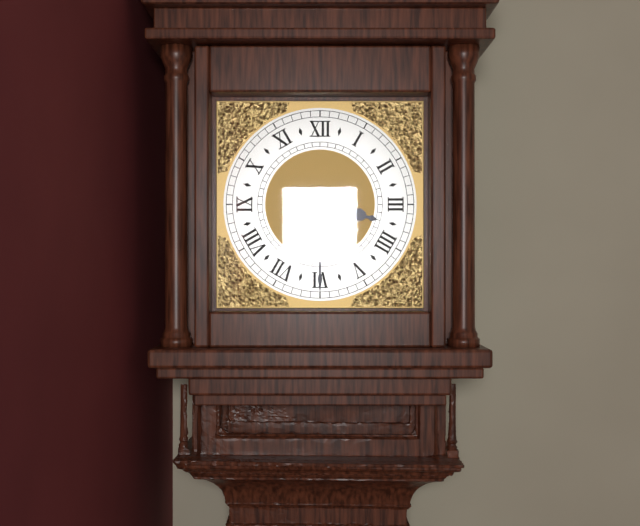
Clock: 3:30
